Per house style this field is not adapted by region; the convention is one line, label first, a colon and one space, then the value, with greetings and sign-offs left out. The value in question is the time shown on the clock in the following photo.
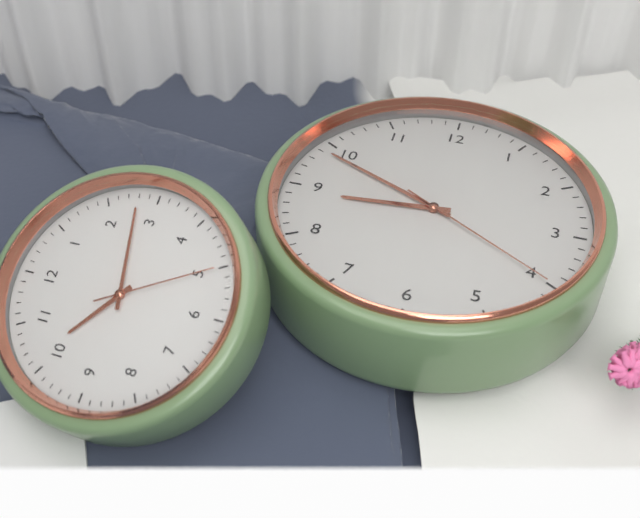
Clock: 8:49:20
